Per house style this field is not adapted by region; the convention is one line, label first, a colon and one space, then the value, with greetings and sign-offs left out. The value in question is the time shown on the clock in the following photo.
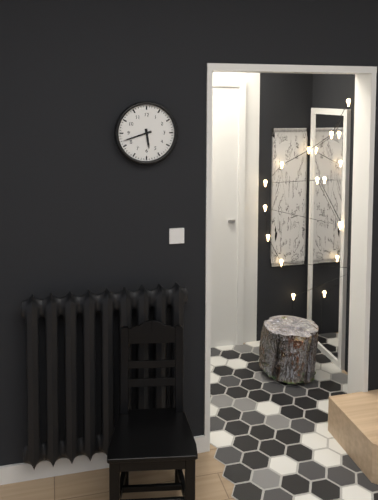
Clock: 5:42
